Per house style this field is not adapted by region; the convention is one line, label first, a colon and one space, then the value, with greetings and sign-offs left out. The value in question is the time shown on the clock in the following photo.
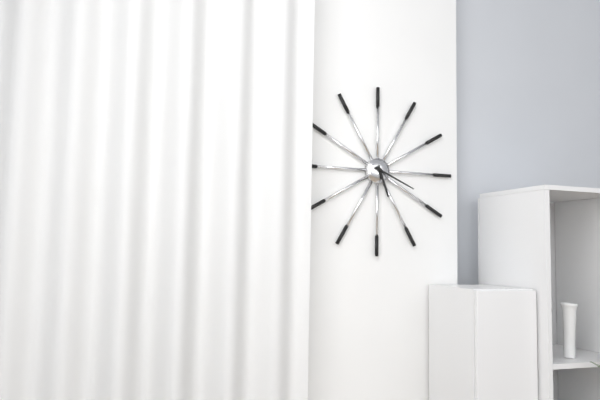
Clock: 5:19
